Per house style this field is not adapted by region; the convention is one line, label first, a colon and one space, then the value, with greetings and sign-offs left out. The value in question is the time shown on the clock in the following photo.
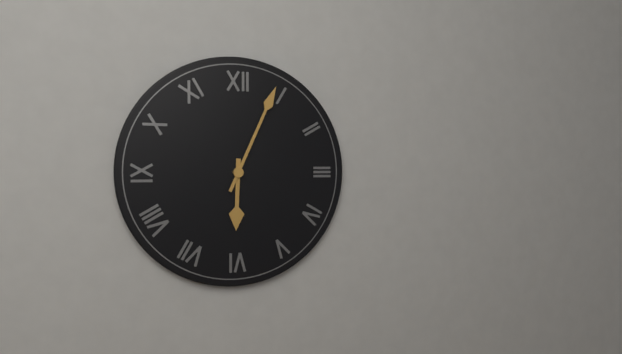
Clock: 6:04
